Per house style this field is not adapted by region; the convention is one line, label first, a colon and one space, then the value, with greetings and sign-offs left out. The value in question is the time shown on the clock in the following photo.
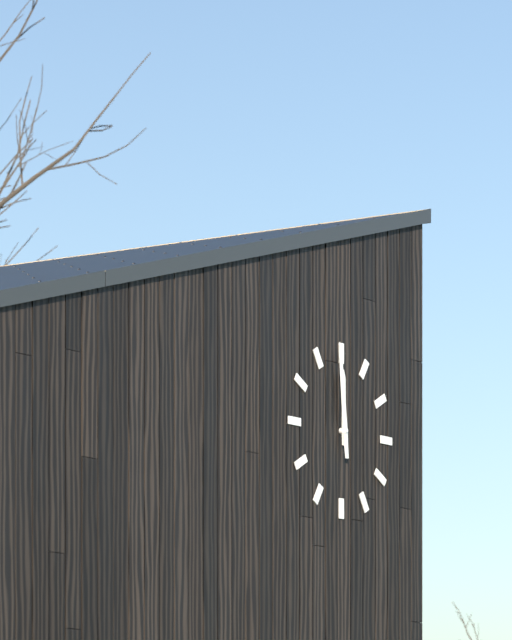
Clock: 11:59
